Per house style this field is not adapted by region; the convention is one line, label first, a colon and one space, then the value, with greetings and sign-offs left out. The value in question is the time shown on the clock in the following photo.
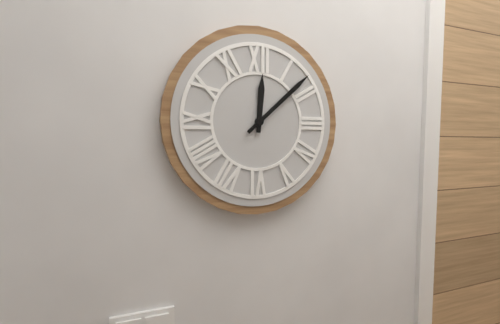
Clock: 12:08
